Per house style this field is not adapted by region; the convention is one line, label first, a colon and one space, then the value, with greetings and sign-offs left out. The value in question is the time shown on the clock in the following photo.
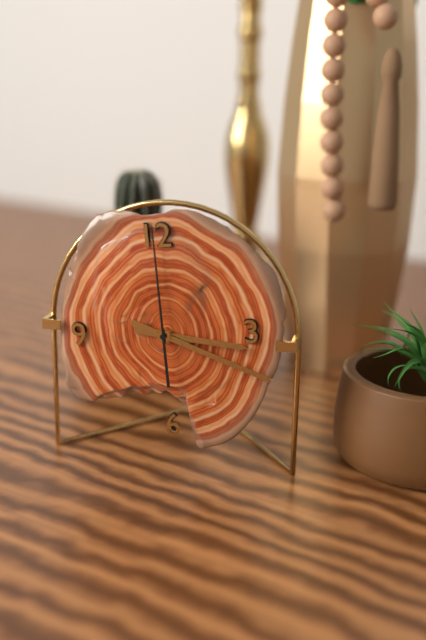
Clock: 3:19:00
